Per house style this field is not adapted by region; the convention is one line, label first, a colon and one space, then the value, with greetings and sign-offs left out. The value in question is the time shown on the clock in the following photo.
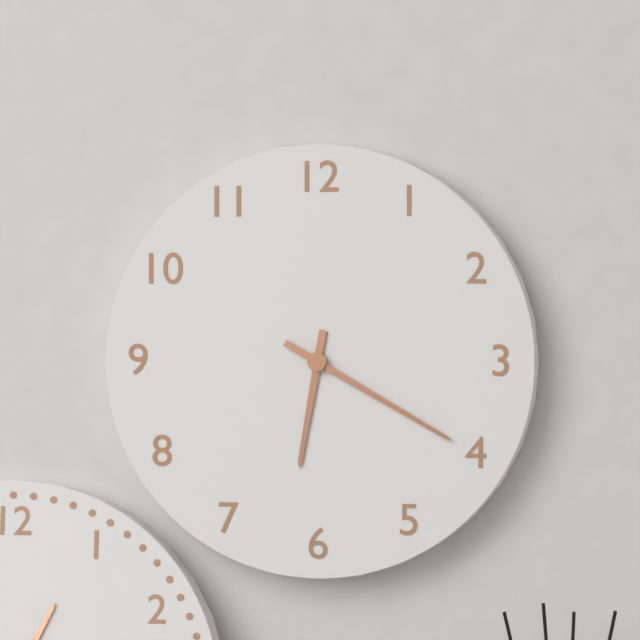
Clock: 6:20
